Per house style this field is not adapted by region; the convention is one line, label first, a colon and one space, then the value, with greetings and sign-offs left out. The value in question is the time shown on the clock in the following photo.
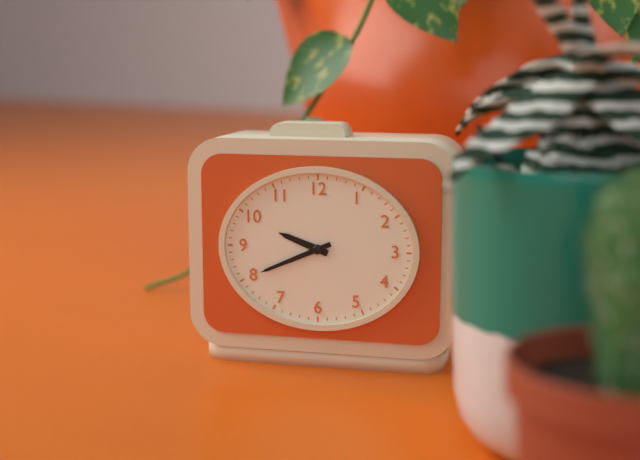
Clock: 9:41
